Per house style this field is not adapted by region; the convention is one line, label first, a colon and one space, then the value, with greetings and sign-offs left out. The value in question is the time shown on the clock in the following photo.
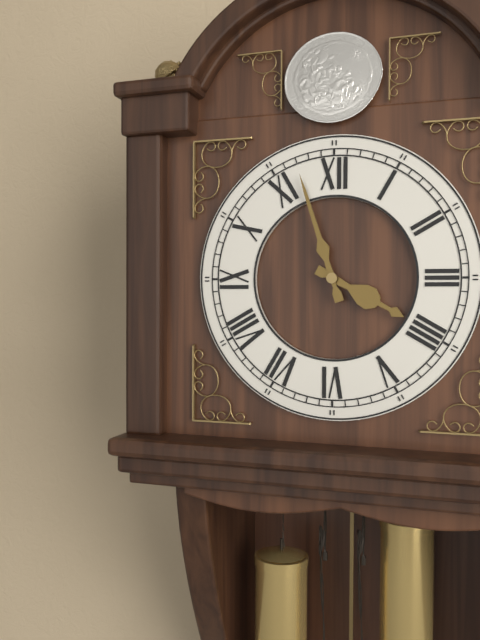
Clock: 3:57
